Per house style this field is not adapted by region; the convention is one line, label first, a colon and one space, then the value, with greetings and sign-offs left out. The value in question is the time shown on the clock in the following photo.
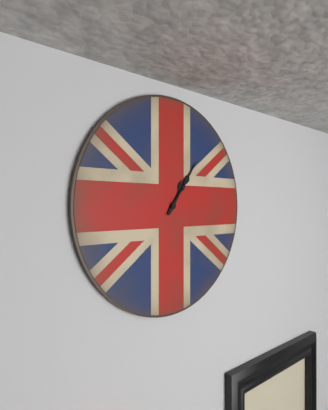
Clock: 1:06
